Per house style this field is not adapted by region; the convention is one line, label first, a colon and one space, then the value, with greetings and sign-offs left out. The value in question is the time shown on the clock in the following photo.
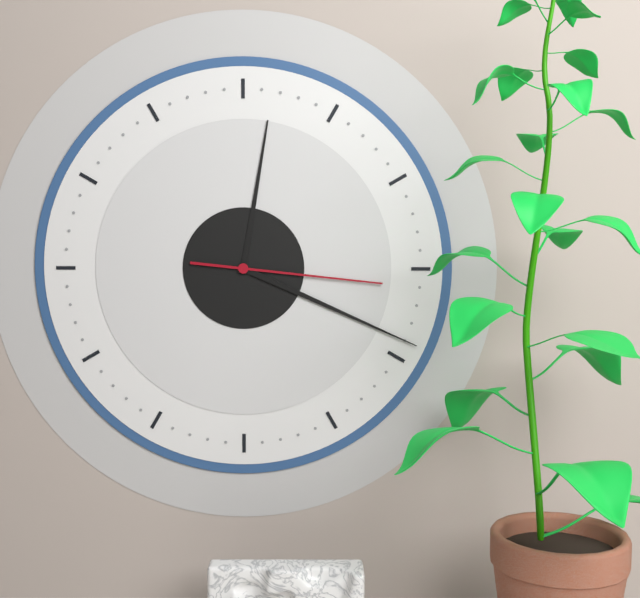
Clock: 12:19:16
